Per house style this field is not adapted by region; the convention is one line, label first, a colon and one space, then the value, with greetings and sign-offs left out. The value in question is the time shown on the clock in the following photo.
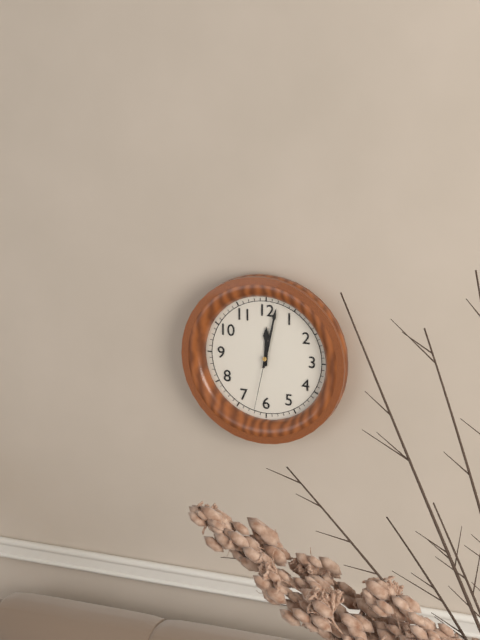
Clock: 12:02:32
